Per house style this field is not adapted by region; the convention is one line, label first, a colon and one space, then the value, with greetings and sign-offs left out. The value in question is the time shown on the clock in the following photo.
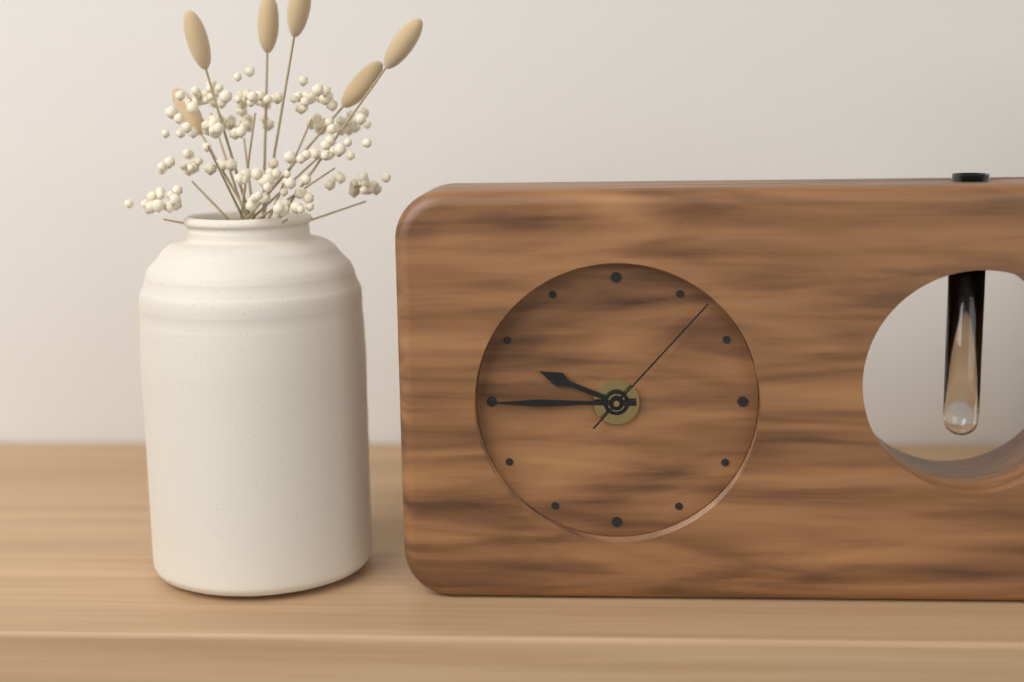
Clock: 9:45:07
